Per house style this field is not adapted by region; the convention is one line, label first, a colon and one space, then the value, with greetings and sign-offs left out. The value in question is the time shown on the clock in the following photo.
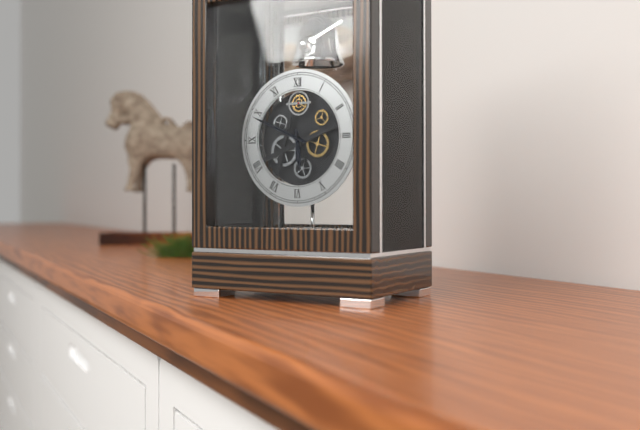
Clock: 5:49
